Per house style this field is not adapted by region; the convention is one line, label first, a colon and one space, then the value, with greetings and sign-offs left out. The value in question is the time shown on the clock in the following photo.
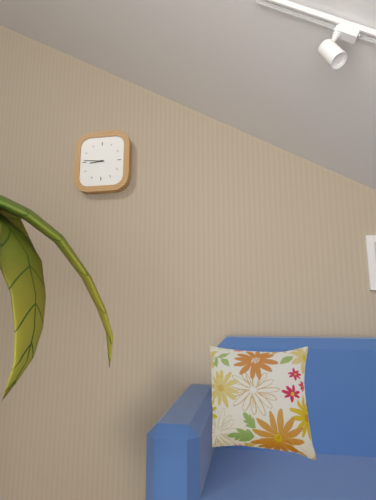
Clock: 8:46
